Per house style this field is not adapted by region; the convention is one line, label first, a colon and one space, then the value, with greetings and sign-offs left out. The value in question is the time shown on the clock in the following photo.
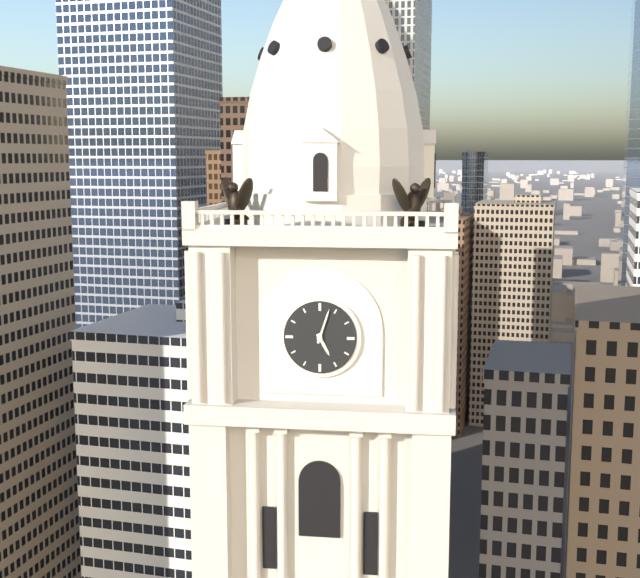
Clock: 5:03
